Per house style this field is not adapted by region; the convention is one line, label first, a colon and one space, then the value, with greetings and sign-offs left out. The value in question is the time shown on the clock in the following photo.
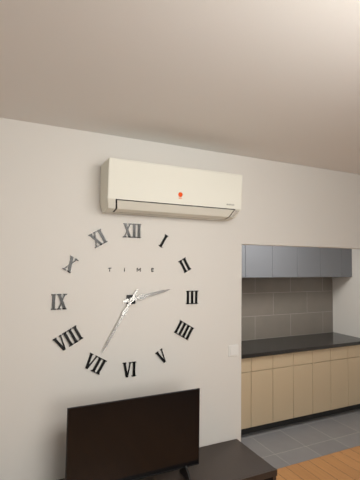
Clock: 2:35
